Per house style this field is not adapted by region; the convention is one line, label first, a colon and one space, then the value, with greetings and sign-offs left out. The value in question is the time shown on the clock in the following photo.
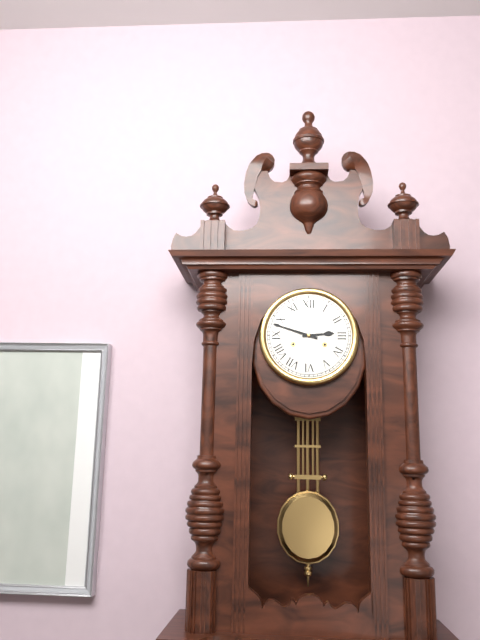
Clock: 2:48
